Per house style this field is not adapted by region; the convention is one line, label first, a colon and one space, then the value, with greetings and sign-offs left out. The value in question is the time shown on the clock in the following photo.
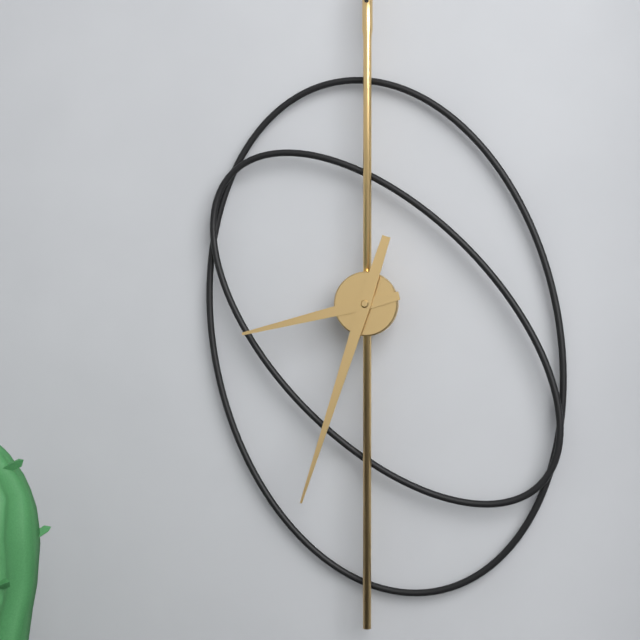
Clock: 8:33
